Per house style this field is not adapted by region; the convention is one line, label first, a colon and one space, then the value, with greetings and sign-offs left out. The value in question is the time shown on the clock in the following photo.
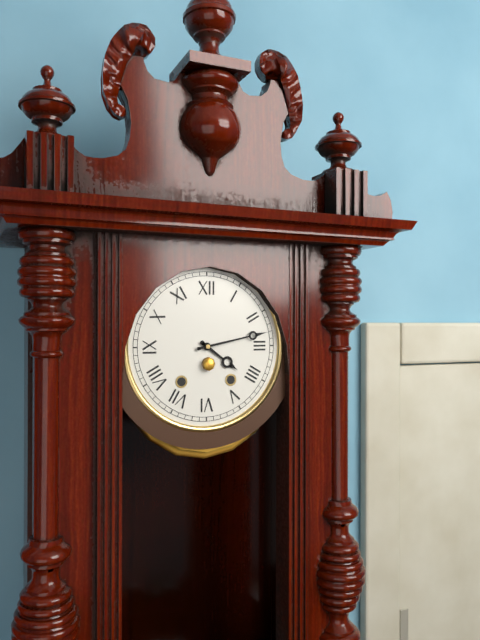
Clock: 4:13
